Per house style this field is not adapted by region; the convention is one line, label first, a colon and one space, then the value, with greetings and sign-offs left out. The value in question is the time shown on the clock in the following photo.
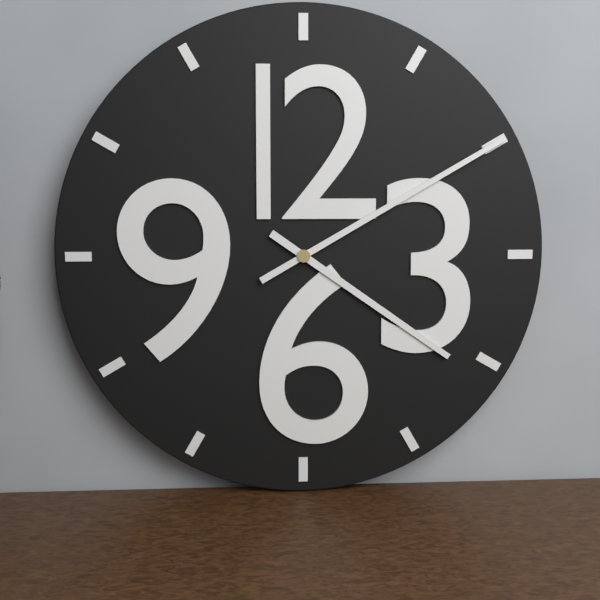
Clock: 4:10
